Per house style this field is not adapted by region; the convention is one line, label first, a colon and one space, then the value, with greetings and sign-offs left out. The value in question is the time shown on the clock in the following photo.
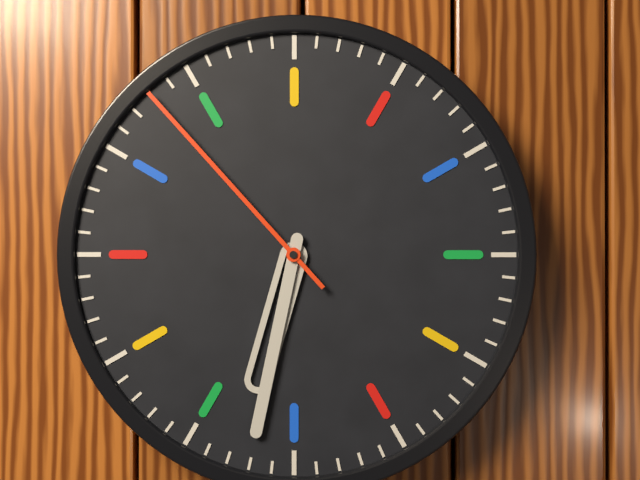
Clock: 6:32:53
